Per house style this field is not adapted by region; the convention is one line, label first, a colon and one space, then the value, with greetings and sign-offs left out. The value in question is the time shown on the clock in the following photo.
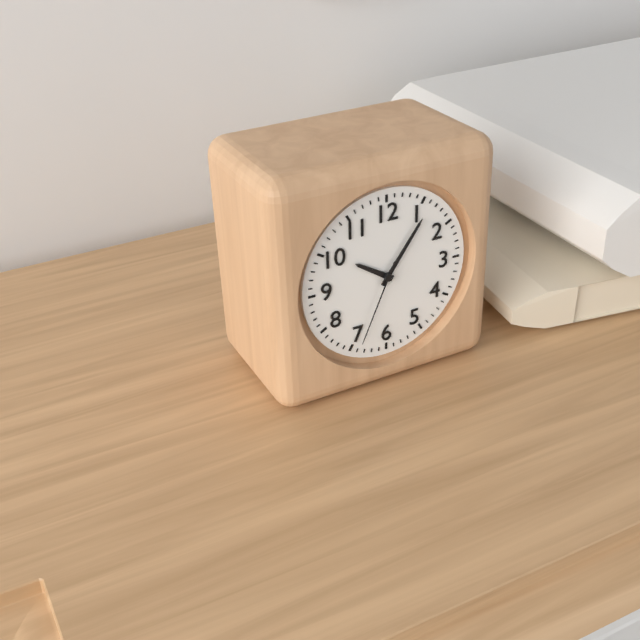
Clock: 10:06:34
